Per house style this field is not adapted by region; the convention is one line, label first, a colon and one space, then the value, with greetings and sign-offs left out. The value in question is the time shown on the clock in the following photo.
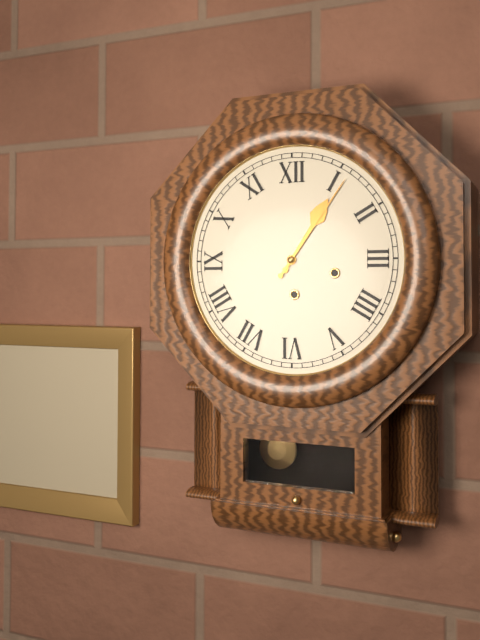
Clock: 1:06
